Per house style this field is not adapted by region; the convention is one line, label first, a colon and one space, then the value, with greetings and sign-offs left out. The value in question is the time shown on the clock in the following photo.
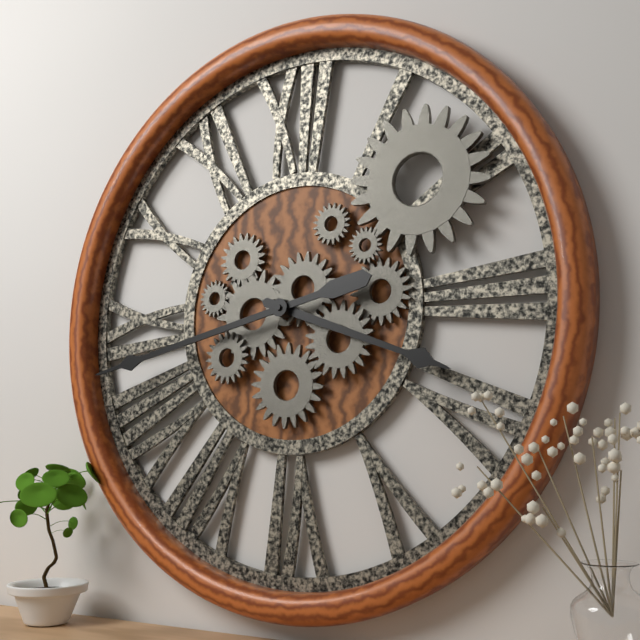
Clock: 3:43
